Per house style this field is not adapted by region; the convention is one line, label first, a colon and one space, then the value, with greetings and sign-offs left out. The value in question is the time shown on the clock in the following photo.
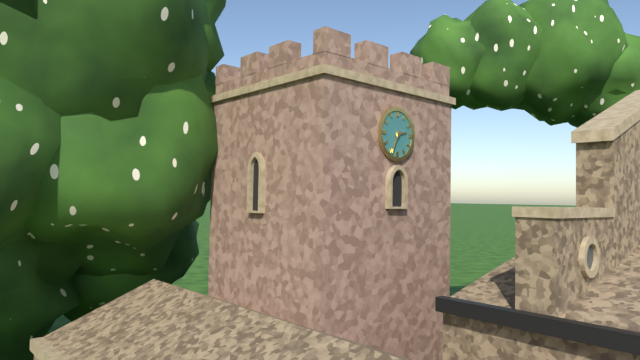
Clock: 2:34
